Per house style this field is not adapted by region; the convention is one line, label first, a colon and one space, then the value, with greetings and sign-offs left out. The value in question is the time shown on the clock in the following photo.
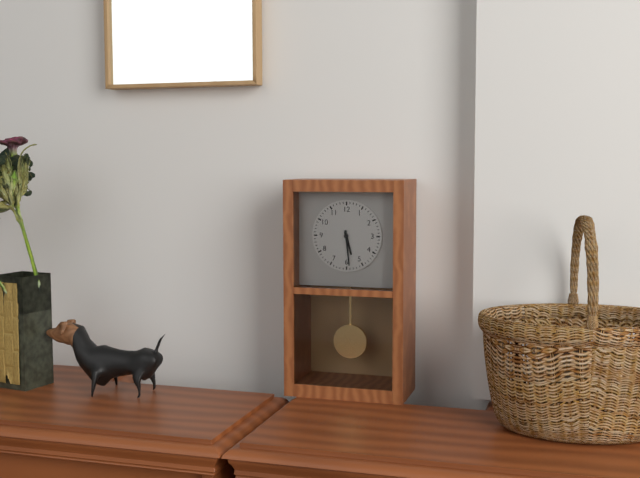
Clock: 5:29
